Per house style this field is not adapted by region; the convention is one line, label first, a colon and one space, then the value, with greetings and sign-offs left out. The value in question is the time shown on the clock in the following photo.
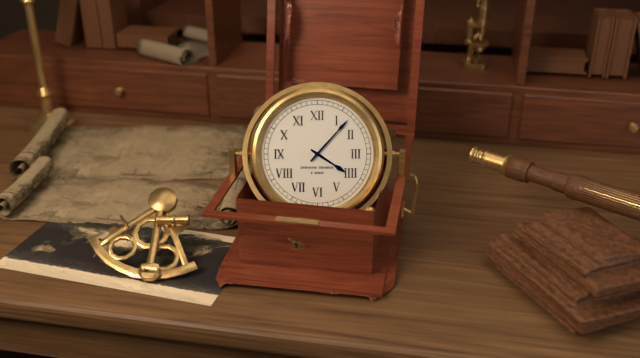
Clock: 4:07
